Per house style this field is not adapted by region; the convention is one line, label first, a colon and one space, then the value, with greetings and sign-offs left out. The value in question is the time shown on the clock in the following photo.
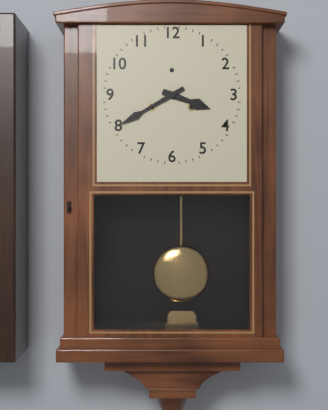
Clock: 3:40
